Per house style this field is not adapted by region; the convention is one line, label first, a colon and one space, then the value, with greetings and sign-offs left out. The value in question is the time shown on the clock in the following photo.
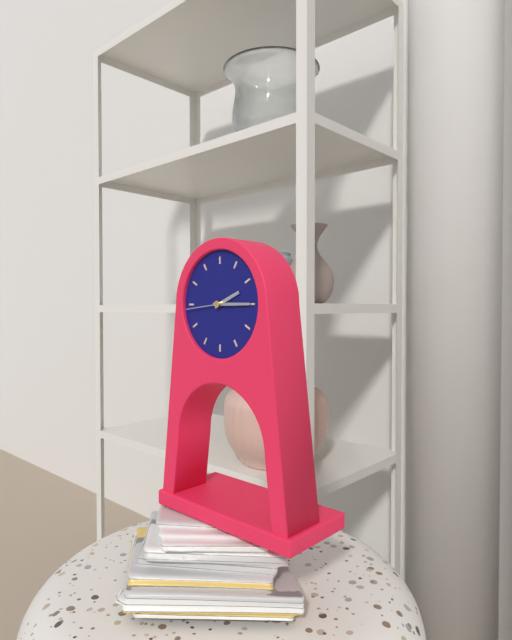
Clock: 2:15
